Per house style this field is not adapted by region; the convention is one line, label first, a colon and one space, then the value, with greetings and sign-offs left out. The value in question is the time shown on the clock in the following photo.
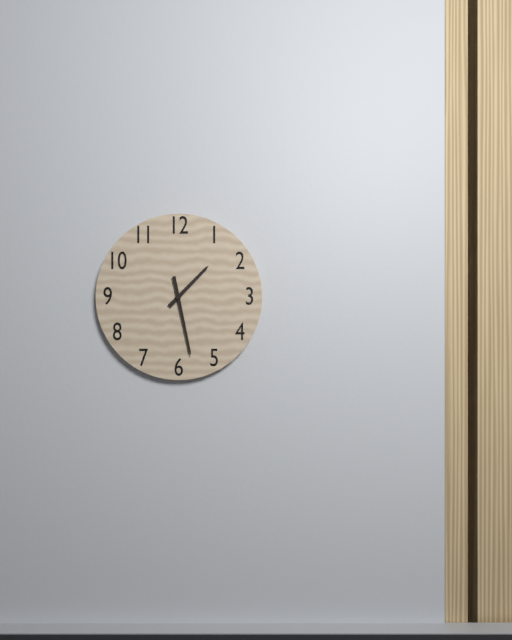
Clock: 1:28
